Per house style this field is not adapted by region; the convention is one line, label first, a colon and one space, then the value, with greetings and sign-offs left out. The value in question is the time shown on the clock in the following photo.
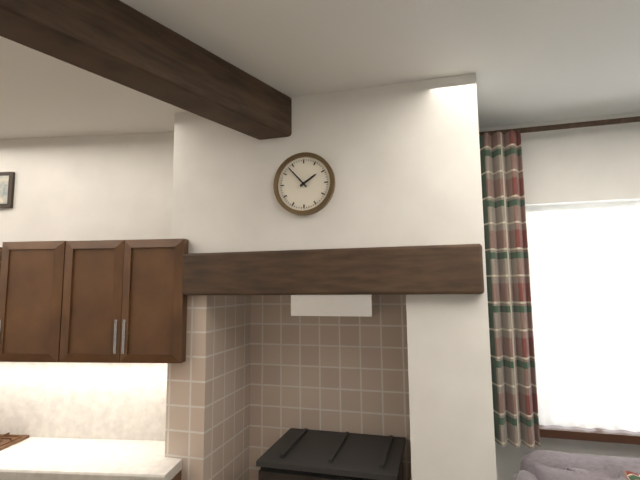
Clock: 1:53
